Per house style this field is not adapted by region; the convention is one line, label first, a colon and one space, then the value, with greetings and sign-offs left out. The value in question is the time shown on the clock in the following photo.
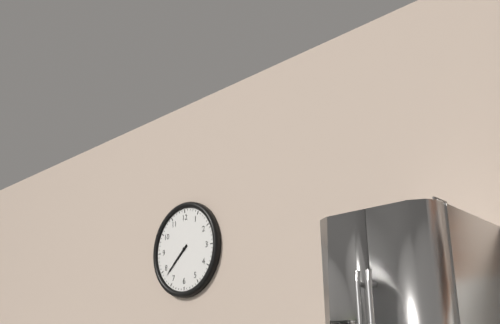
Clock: 7:38
